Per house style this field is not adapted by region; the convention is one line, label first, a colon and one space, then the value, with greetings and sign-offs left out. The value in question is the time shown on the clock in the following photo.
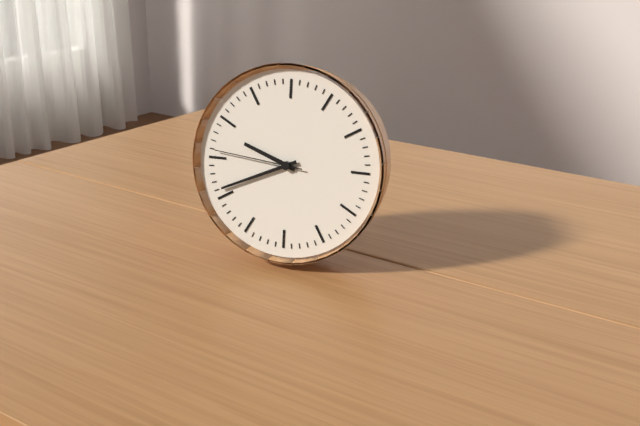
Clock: 9:41:46
